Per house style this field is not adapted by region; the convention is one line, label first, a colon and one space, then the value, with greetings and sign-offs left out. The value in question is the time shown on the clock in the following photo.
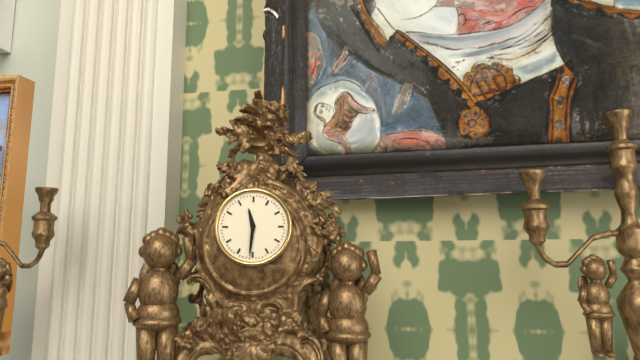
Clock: 11:31
